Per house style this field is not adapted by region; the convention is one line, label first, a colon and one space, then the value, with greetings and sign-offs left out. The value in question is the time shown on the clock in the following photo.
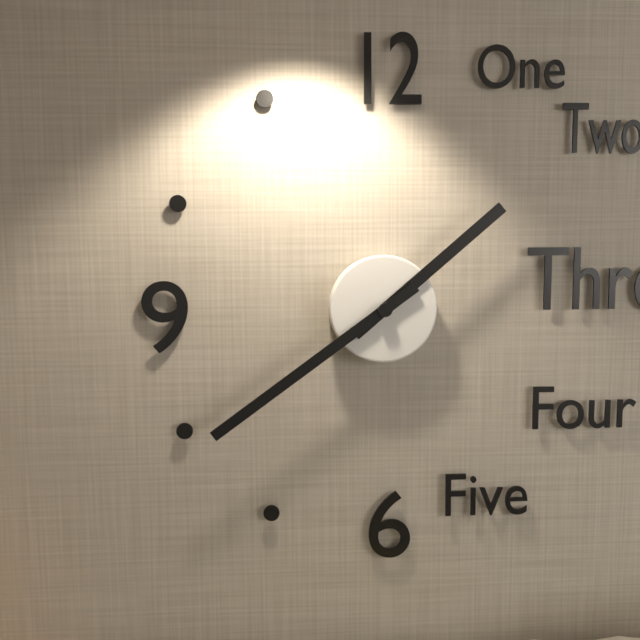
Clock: 1:39
